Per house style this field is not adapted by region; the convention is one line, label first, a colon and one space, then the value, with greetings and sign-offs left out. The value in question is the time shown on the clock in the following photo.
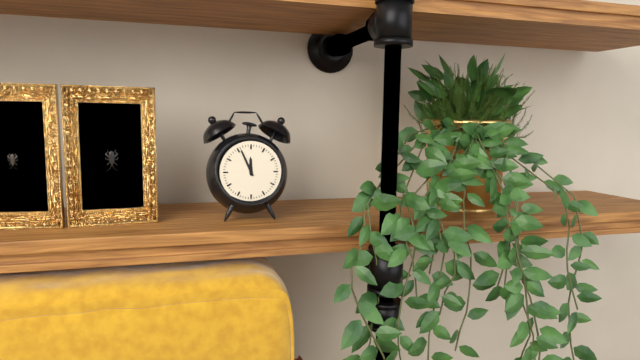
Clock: 11:56
